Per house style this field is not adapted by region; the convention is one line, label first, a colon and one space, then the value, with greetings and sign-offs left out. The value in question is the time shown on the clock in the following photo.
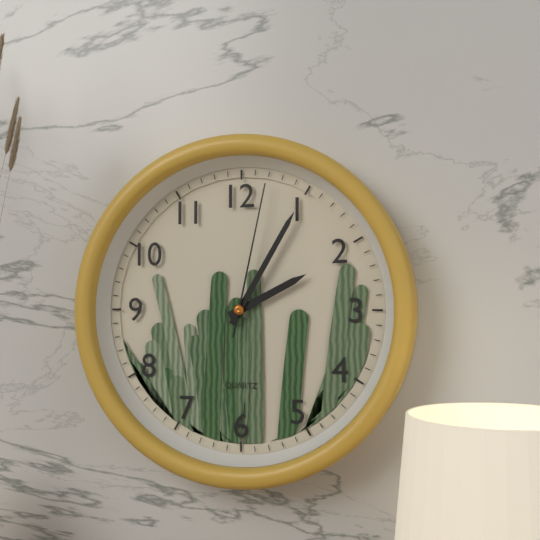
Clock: 2:05:02
